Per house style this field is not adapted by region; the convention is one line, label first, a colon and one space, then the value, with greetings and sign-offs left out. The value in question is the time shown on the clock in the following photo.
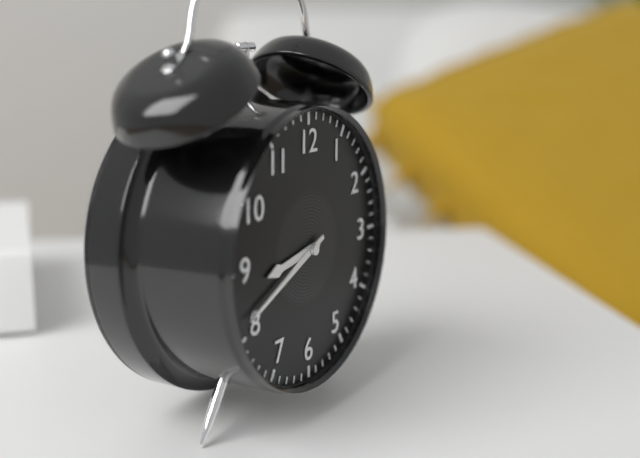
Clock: 8:41
